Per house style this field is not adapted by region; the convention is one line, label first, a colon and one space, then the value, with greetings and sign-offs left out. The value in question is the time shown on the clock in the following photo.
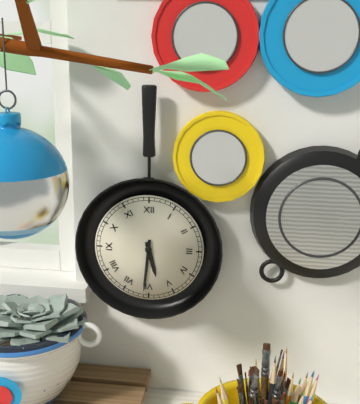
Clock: 5:31
